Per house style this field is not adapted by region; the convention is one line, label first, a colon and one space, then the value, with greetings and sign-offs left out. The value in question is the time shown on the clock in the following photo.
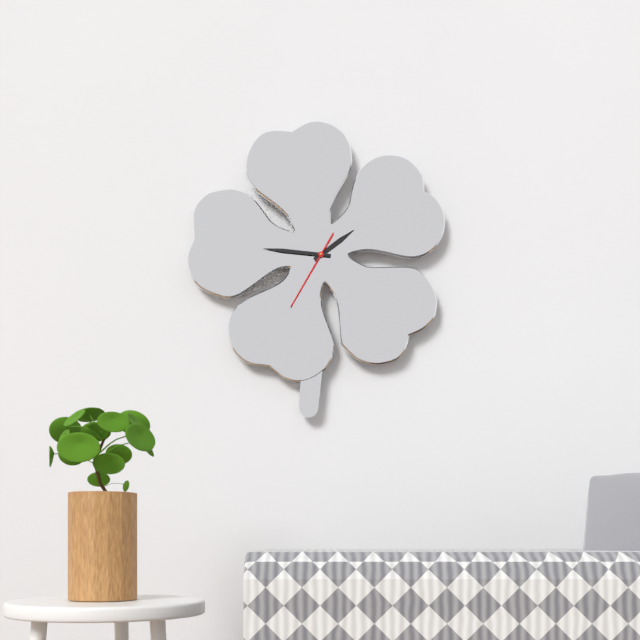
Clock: 1:46:35
